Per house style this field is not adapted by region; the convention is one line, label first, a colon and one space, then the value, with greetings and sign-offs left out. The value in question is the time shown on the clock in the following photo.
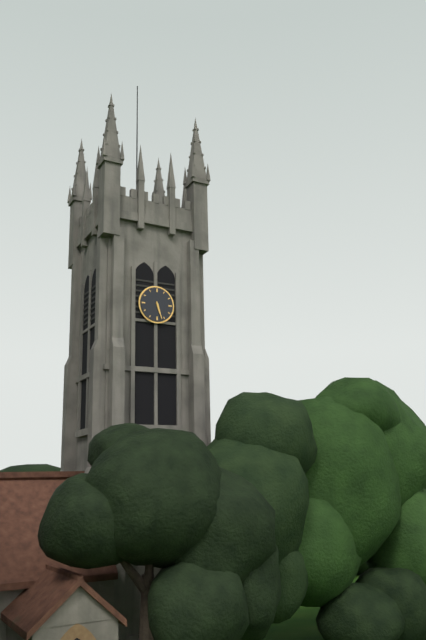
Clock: 5:27
